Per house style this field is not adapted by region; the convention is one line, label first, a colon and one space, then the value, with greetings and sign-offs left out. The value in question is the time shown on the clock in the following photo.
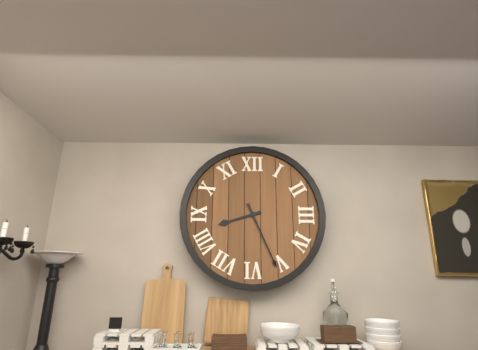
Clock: 8:26
